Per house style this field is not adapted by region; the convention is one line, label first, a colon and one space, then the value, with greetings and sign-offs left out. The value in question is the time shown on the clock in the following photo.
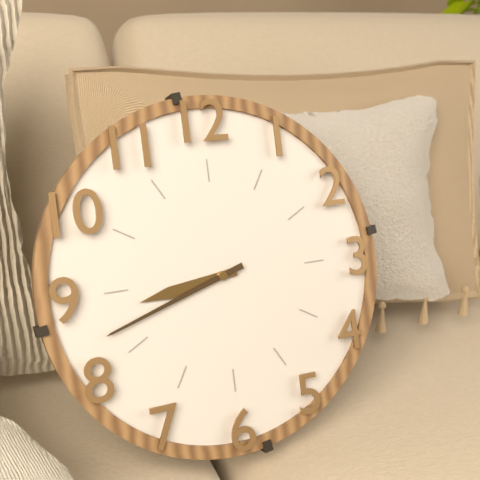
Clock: 8:42
